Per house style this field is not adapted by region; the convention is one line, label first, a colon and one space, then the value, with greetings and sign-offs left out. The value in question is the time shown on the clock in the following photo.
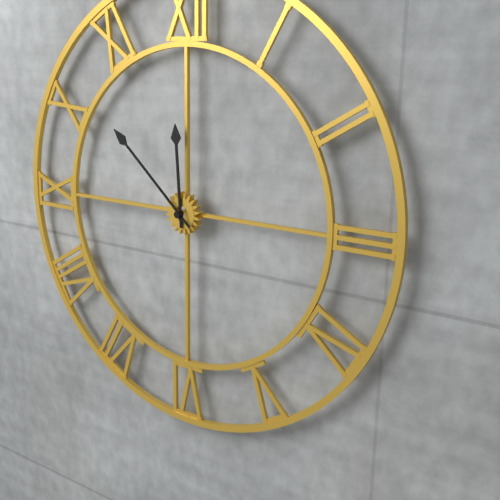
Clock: 11:52
